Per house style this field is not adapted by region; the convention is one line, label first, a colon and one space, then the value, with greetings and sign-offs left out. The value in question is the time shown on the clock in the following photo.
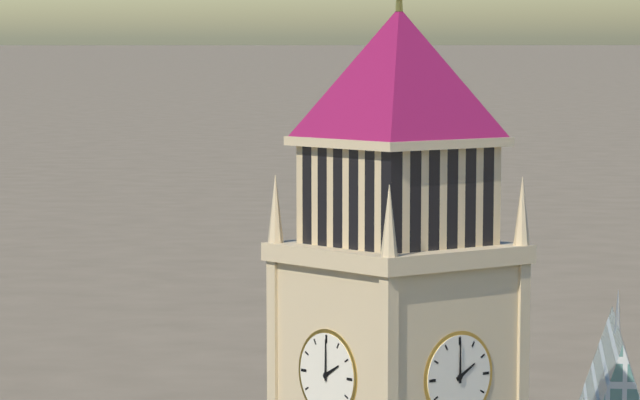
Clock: 2:00
